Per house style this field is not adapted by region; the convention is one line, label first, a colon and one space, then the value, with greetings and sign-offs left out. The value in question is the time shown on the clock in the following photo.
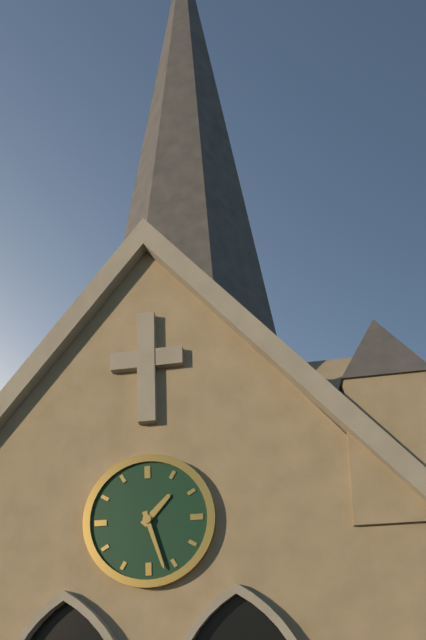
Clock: 1:27
